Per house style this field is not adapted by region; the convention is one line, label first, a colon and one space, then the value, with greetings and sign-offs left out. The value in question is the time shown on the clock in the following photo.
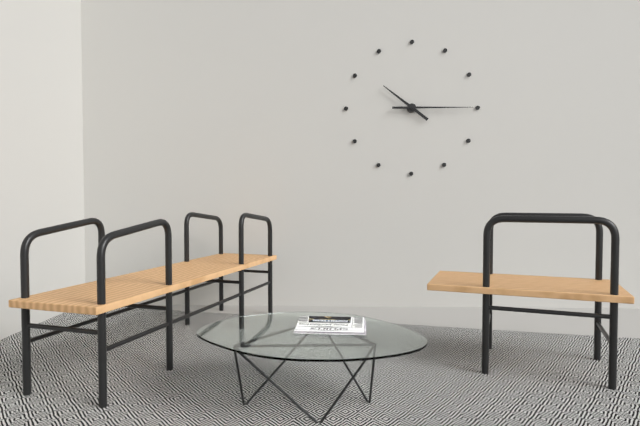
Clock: 10:15
